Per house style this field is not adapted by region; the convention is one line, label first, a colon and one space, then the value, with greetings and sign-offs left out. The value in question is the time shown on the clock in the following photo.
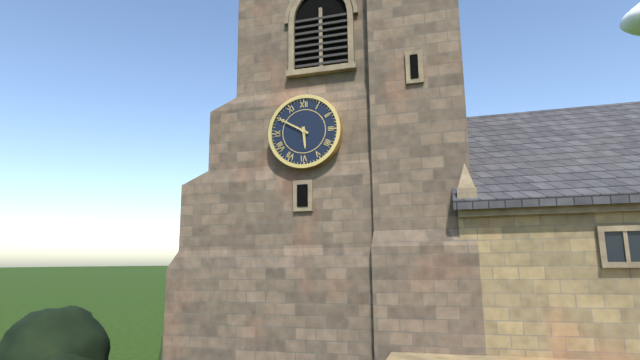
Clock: 5:50
